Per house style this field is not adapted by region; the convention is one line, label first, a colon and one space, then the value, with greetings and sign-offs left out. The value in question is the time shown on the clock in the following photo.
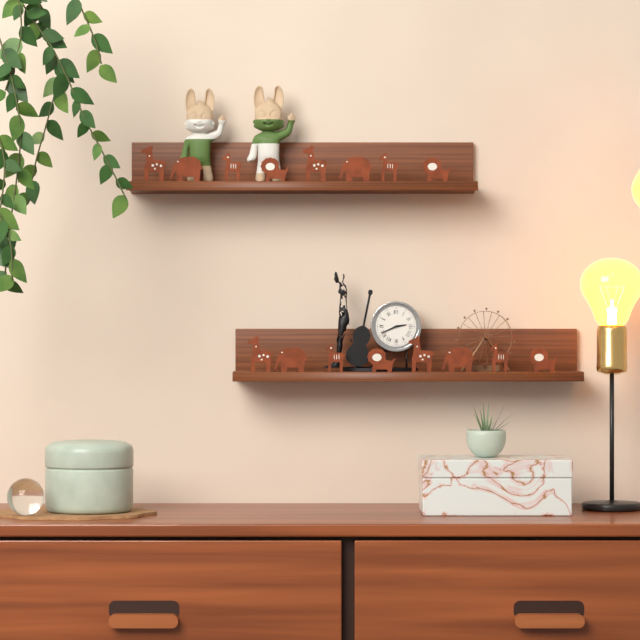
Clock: 2:41
